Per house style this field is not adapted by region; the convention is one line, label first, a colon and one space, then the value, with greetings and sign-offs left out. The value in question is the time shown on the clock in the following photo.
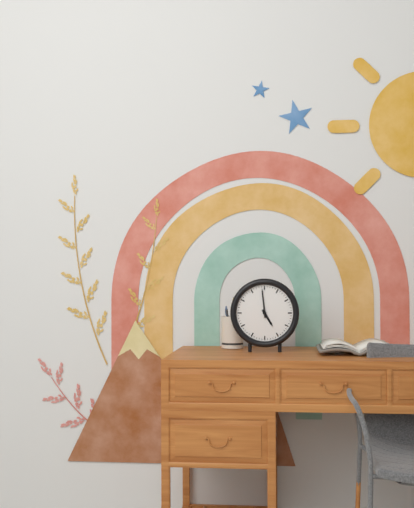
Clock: 4:59
